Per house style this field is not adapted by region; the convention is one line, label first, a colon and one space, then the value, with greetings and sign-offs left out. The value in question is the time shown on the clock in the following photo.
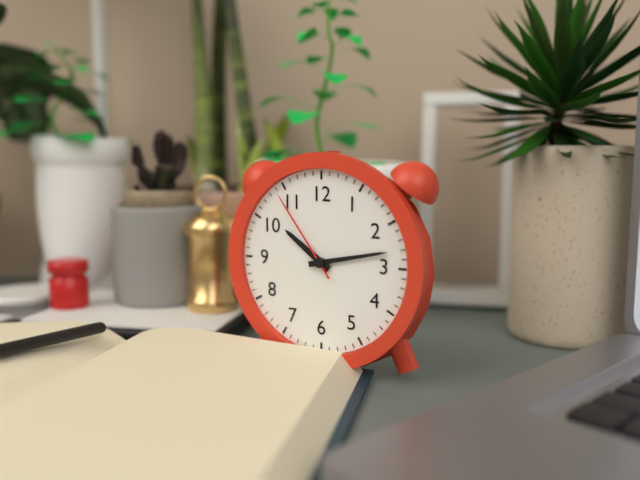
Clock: 10:13:54
